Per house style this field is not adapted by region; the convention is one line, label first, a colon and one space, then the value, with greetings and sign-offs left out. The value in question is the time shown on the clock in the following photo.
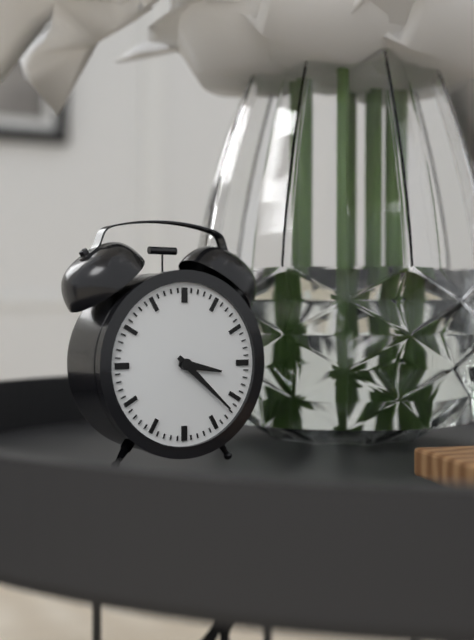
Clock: 3:22
